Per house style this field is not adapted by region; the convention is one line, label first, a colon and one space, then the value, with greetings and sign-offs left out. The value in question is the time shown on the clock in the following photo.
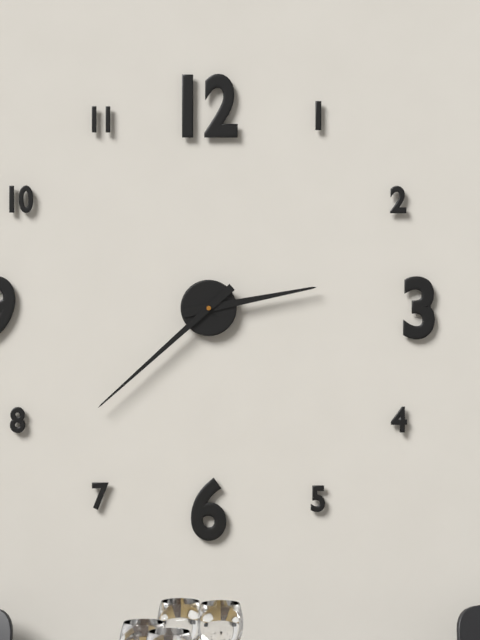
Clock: 2:38
